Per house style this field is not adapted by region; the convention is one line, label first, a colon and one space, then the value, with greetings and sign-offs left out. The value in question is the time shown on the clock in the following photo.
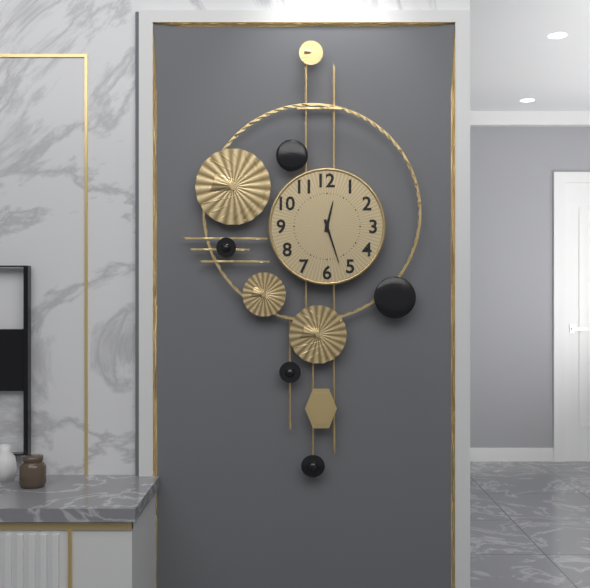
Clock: 12:27
